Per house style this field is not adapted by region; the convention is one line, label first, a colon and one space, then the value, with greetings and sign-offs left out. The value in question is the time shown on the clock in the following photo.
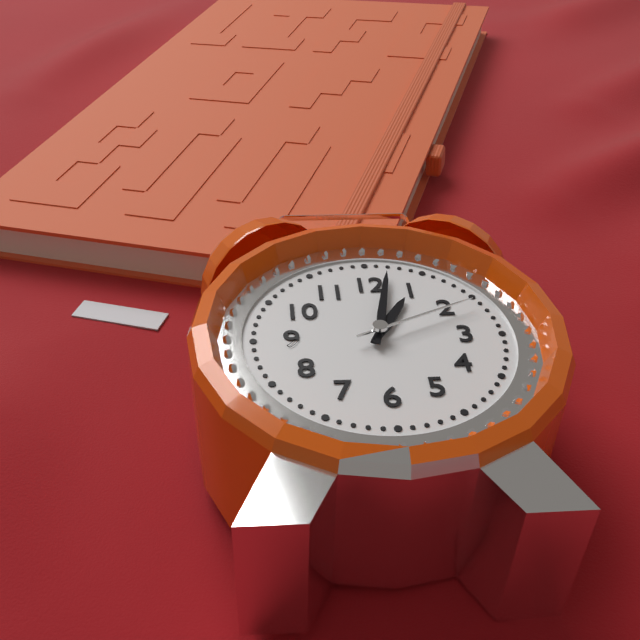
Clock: 1:02:11
